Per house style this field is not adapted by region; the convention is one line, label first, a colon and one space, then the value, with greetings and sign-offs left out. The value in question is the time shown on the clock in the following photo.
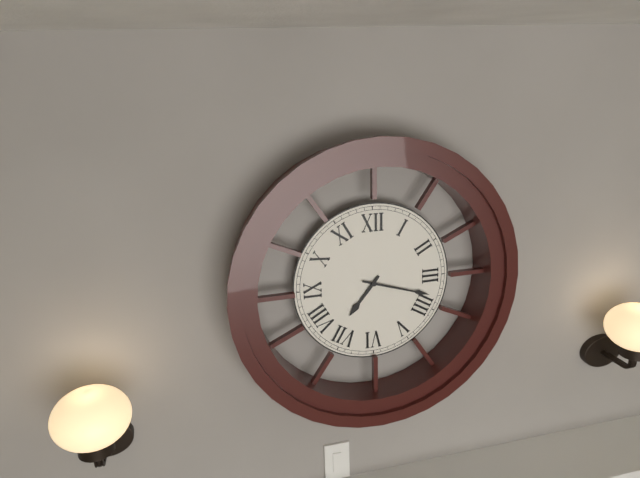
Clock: 7:18
